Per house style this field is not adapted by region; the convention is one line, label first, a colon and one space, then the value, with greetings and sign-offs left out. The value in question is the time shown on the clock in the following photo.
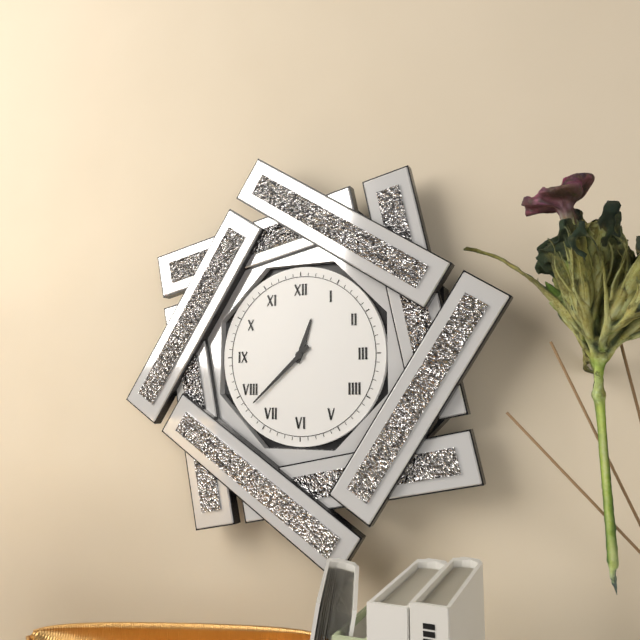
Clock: 12:38
